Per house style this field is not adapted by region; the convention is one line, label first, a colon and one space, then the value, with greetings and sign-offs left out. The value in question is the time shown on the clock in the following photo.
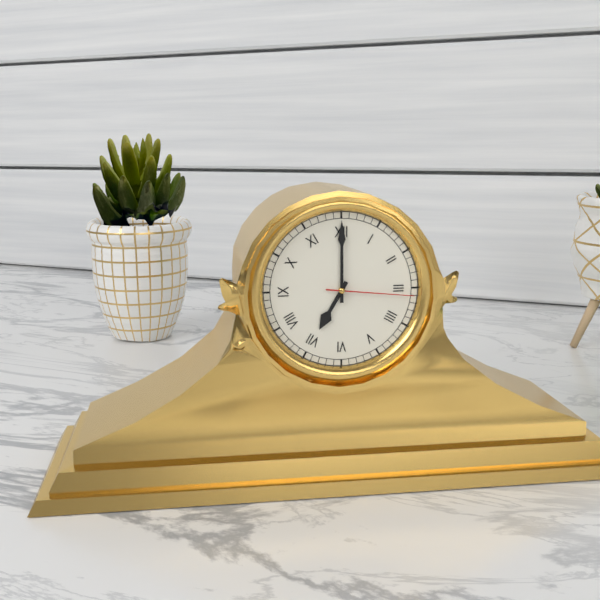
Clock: 7:00:16
